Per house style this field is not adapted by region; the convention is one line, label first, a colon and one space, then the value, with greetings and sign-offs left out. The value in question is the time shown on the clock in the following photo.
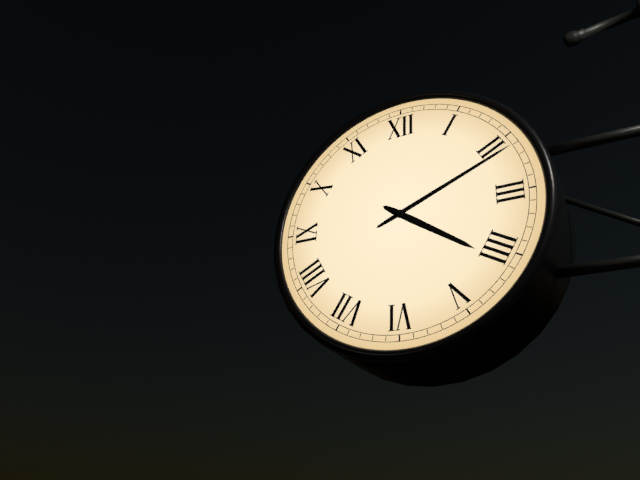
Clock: 4:11
